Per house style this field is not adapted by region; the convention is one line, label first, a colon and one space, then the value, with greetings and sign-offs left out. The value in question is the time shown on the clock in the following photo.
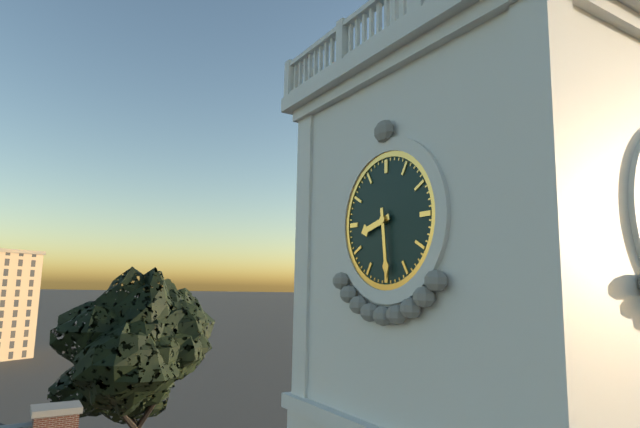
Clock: 8:29
